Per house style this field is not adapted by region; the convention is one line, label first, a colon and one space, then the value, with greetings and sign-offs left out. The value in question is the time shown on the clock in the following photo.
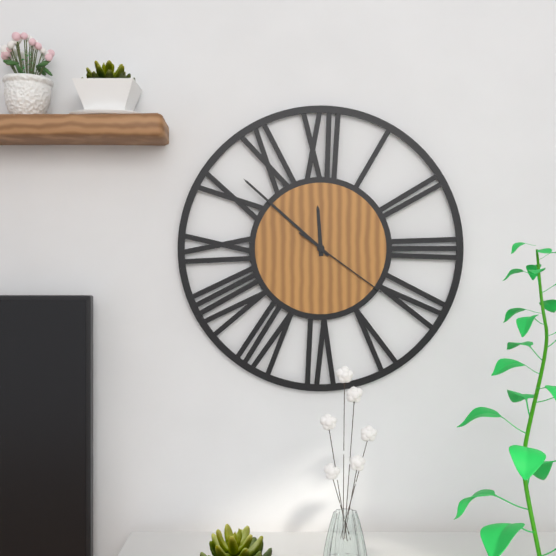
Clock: 11:52:21
